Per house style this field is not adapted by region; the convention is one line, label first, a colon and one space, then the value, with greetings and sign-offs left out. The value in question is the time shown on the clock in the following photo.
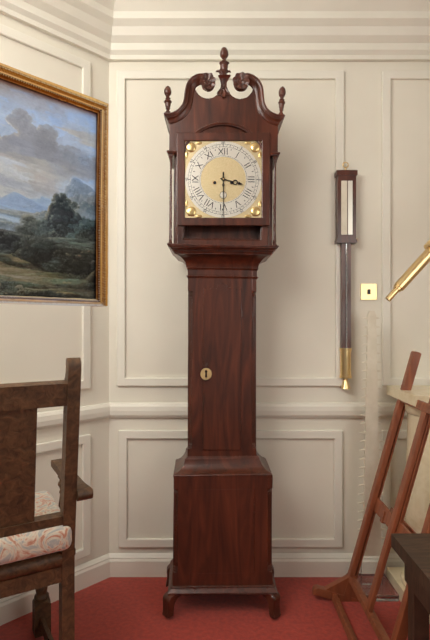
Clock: 3:30
